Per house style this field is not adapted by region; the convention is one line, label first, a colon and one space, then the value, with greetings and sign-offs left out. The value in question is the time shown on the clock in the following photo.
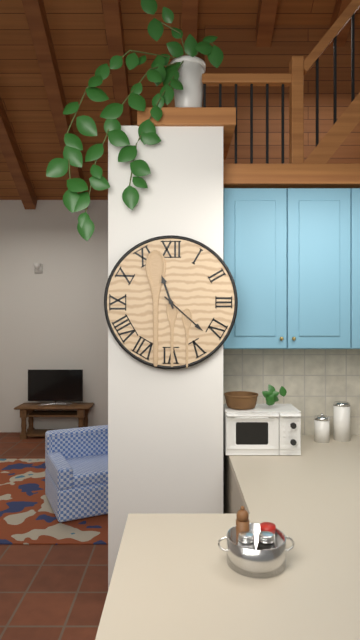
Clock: 11:22
